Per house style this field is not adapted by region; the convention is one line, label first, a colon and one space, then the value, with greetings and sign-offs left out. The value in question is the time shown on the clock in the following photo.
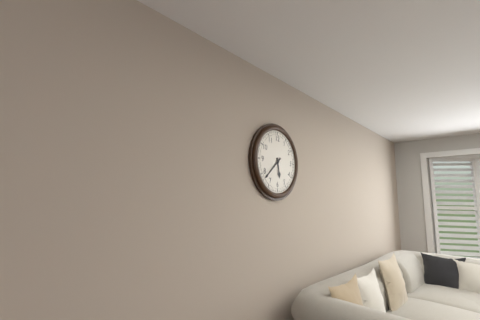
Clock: 5:38
